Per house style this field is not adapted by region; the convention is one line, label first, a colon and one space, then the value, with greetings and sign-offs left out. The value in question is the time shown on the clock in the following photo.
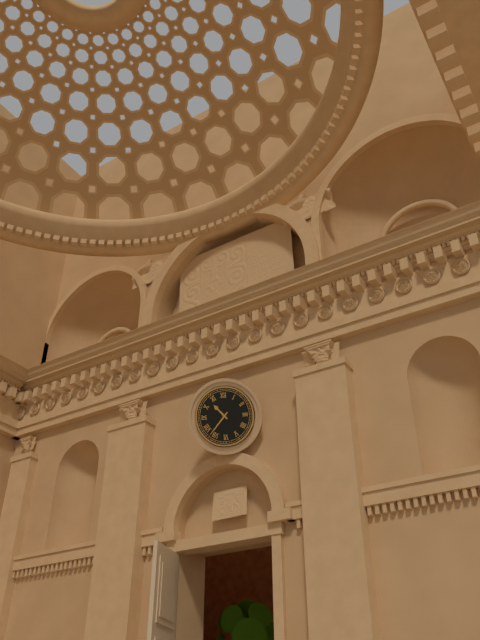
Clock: 10:37
